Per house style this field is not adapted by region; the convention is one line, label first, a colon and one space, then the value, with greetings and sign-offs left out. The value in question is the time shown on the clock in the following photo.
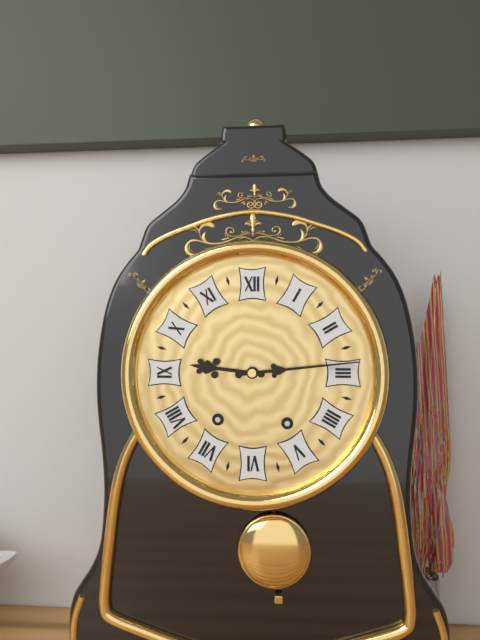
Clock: 9:14
